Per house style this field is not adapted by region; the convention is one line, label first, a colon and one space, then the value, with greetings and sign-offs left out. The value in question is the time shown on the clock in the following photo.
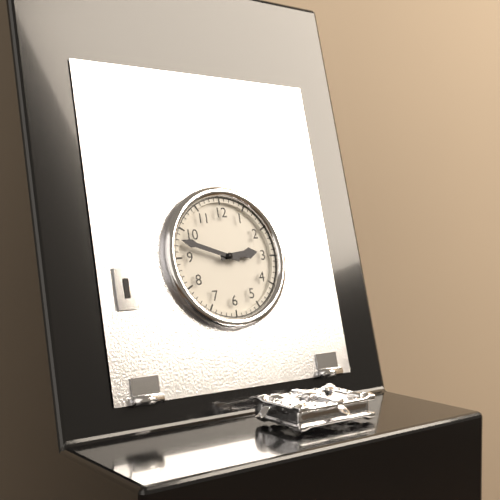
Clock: 2:48
